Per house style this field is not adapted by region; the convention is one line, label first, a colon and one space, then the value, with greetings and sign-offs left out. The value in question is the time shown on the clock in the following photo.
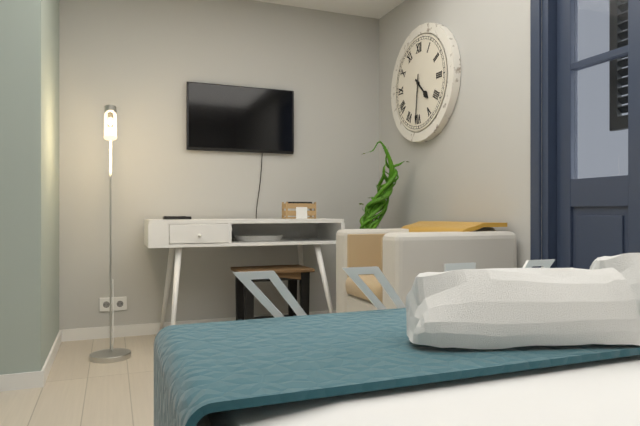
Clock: 4:31
